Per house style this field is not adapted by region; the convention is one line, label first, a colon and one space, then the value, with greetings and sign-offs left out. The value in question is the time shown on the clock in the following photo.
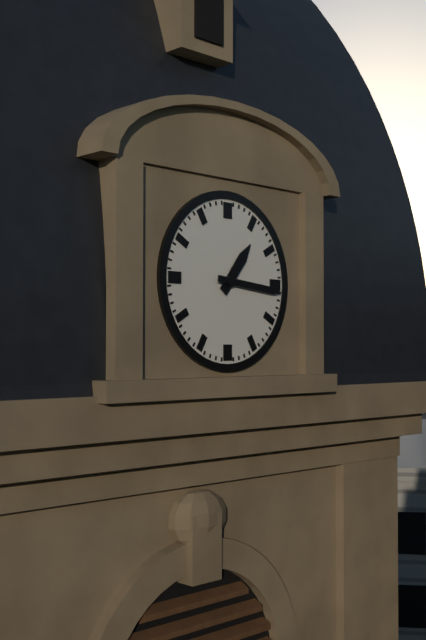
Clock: 1:16
